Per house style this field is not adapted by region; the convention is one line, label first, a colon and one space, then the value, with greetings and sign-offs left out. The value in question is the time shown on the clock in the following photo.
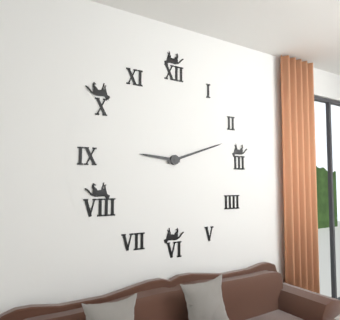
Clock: 9:12
